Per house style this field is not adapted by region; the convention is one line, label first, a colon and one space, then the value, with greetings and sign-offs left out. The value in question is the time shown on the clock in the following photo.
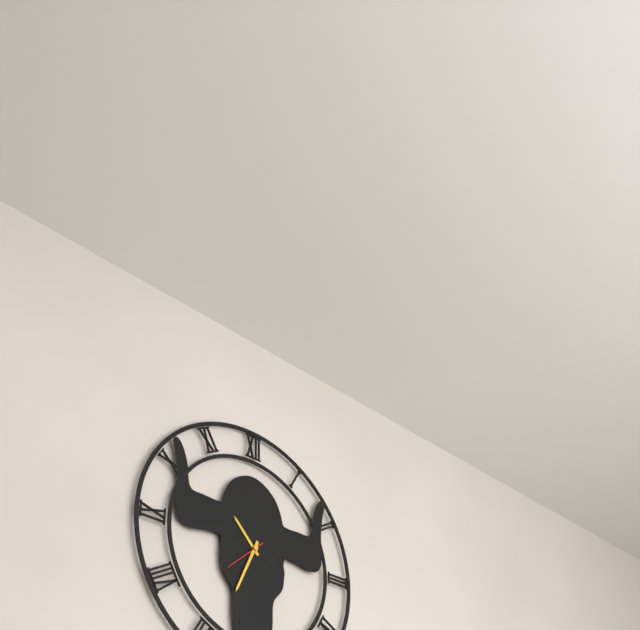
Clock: 10:34
